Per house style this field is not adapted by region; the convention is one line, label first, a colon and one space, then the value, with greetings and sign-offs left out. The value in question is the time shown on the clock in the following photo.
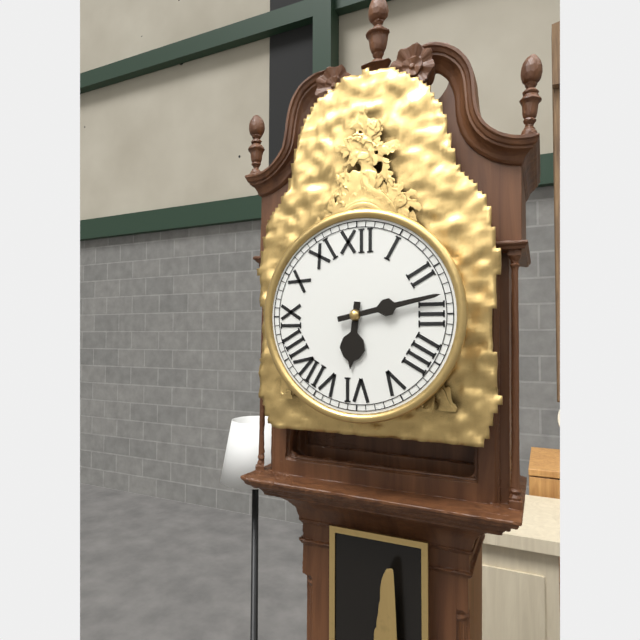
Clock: 6:13
